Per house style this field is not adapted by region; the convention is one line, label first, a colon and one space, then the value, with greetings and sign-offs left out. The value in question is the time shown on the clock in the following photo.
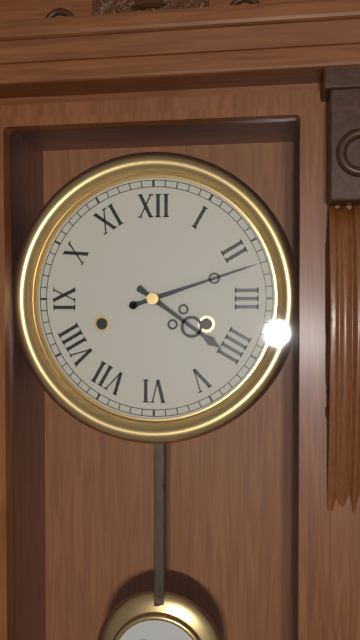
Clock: 4:12
